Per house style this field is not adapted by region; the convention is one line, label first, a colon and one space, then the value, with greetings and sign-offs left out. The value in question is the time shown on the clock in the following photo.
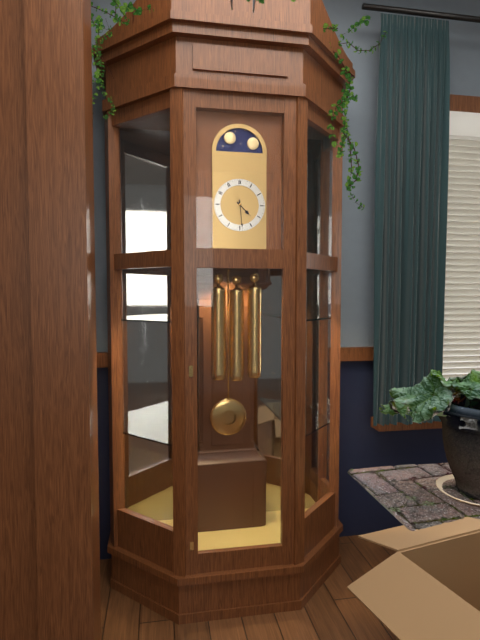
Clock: 4:29
